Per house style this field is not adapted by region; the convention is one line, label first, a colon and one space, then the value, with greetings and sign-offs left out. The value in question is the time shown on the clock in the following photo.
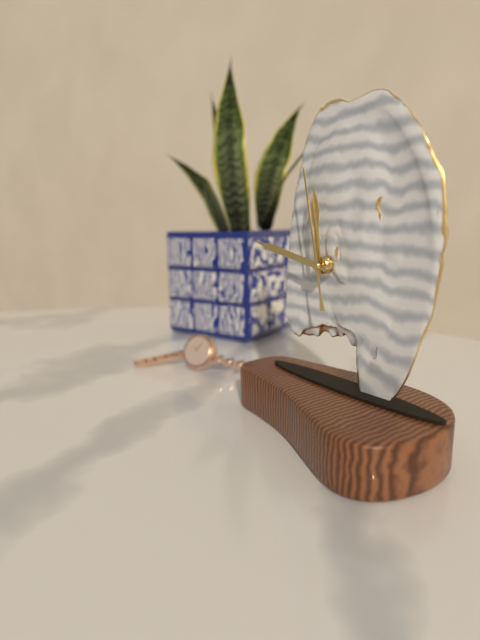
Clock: 11:47:58
